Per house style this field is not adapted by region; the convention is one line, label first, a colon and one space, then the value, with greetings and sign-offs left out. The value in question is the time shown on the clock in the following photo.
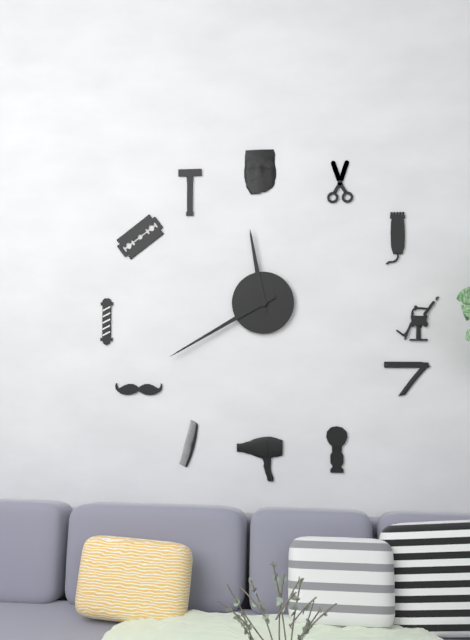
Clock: 11:40
